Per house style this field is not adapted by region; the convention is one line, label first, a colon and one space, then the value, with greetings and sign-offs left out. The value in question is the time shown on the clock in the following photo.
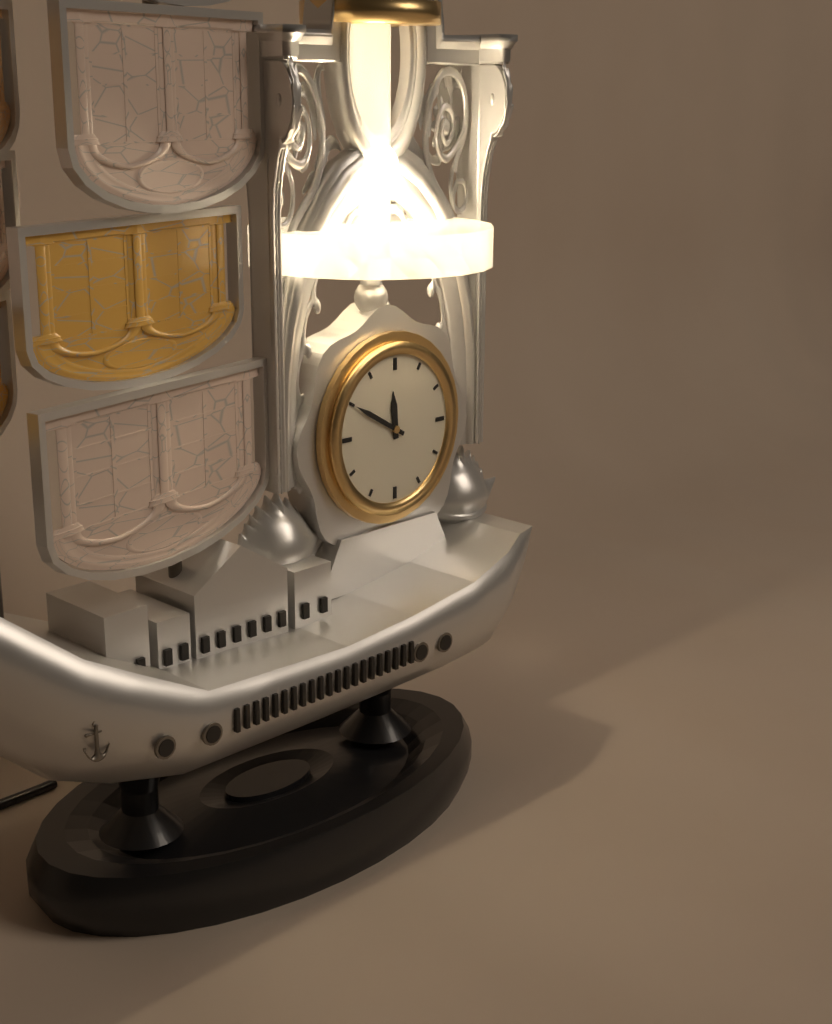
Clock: 11:50
